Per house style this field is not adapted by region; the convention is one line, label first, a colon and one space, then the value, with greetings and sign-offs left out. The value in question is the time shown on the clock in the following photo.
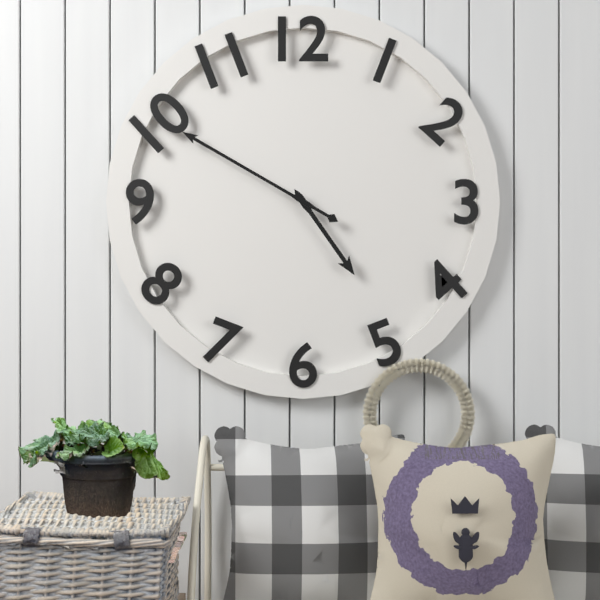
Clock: 4:50
